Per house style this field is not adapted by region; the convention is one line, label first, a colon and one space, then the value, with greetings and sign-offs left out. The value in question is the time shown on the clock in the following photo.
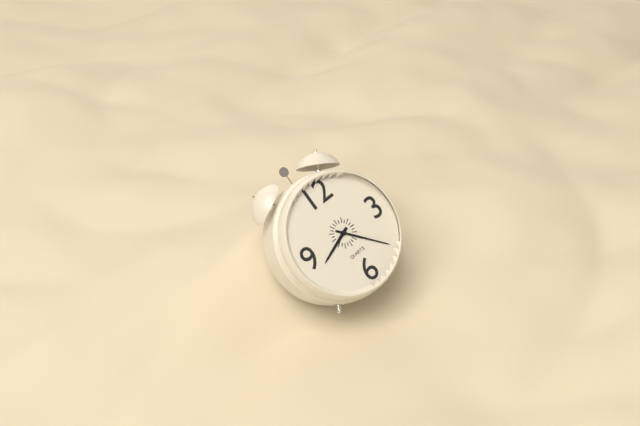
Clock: 8:23
